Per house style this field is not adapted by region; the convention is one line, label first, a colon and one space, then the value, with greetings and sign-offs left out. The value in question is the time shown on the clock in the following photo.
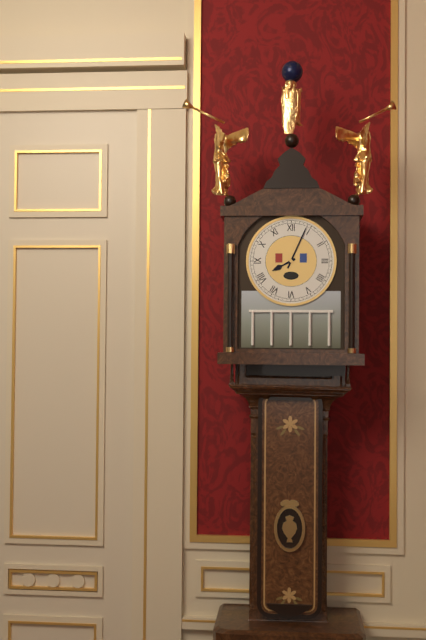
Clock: 8:04
